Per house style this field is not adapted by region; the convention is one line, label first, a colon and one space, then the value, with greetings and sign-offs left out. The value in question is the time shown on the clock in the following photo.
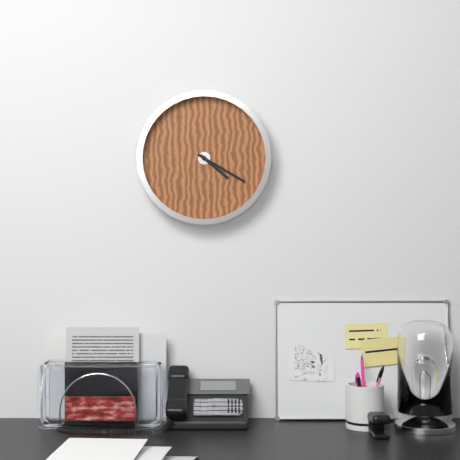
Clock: 4:20
